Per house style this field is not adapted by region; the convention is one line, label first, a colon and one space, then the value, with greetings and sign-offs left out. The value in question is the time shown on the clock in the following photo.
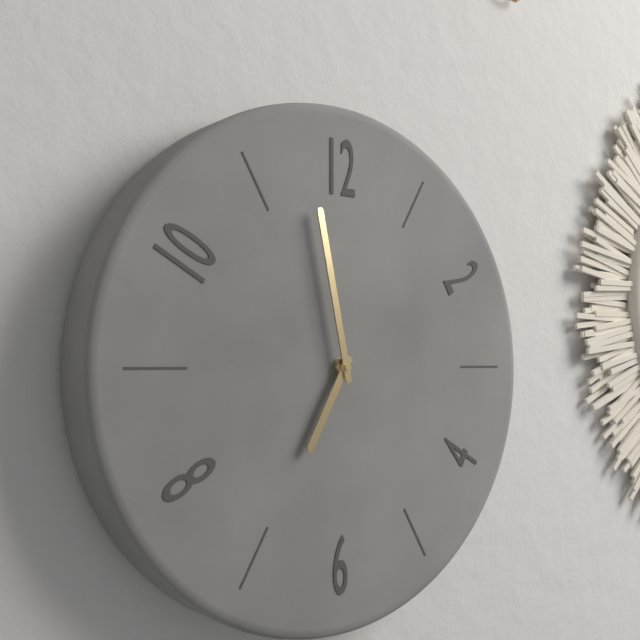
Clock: 6:58
